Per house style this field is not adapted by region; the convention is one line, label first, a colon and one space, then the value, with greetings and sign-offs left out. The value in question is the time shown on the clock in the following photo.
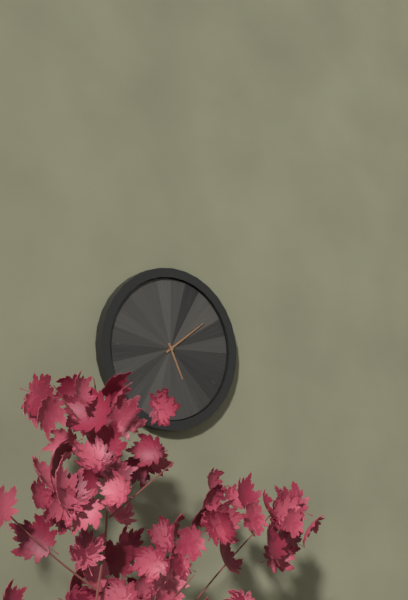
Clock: 5:09
